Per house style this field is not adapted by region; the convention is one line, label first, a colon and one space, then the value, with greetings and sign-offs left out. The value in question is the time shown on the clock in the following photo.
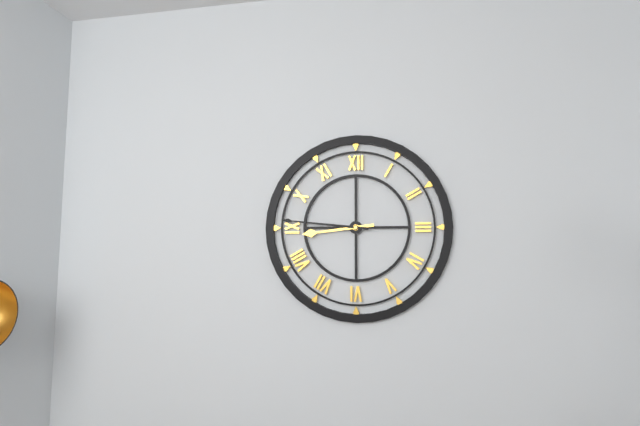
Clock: 8:46
